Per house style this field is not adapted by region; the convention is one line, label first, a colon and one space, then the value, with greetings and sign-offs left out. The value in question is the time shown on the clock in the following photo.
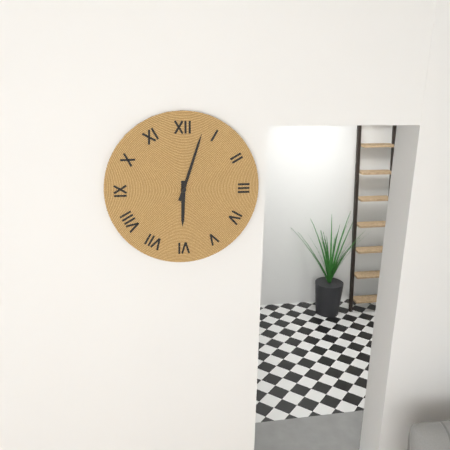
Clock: 6:03
